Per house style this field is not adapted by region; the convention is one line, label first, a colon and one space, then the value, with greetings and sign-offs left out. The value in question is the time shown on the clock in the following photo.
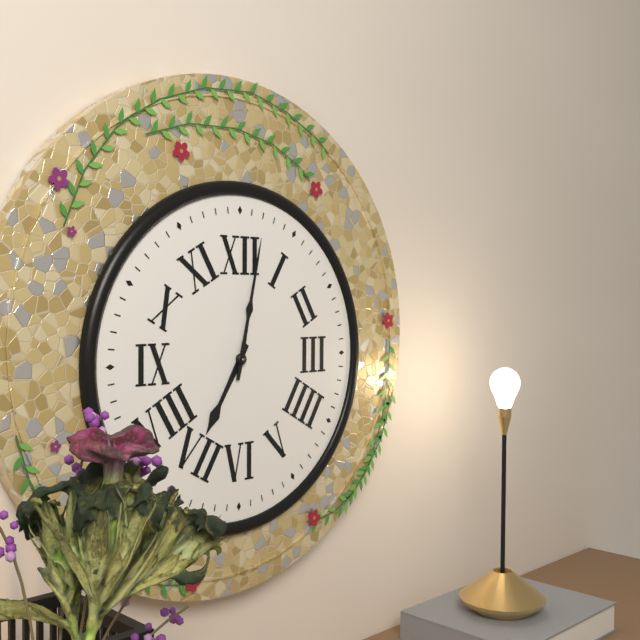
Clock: 7:02
